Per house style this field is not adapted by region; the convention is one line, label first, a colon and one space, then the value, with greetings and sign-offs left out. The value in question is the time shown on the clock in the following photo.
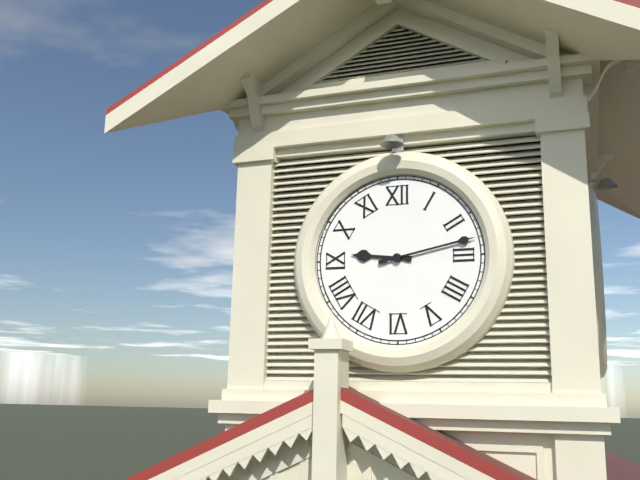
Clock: 9:13
